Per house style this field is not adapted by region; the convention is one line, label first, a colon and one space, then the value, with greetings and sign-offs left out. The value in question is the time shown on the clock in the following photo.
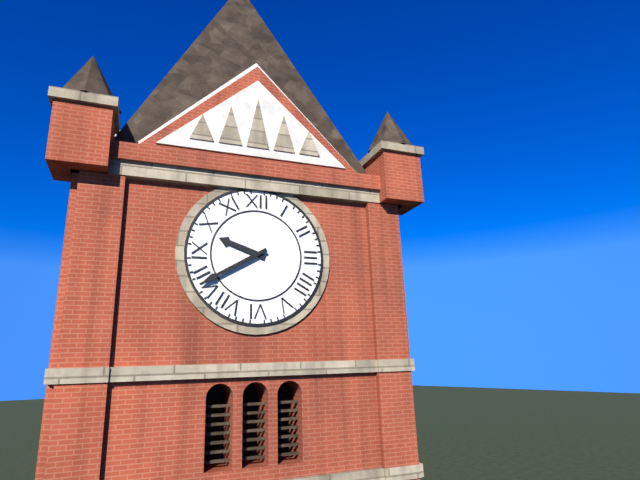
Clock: 9:40
